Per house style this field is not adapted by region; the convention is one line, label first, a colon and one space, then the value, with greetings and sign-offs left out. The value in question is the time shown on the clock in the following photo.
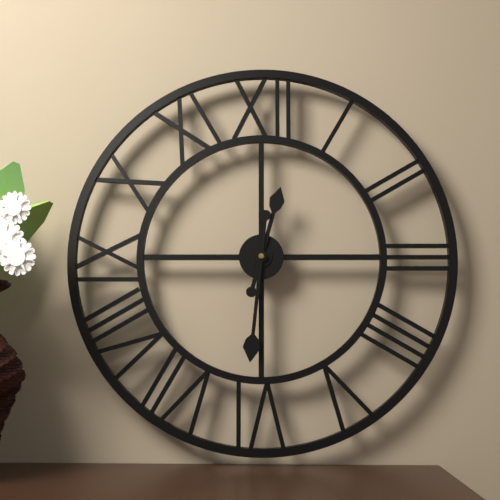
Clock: 12:31
